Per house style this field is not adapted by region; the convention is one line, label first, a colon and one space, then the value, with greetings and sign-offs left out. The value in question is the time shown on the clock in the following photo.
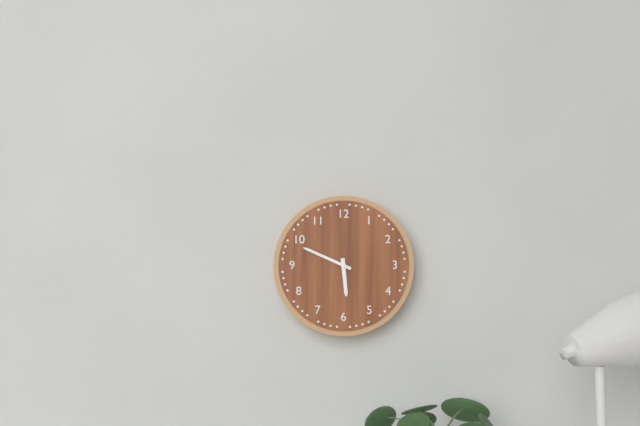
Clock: 5:49
